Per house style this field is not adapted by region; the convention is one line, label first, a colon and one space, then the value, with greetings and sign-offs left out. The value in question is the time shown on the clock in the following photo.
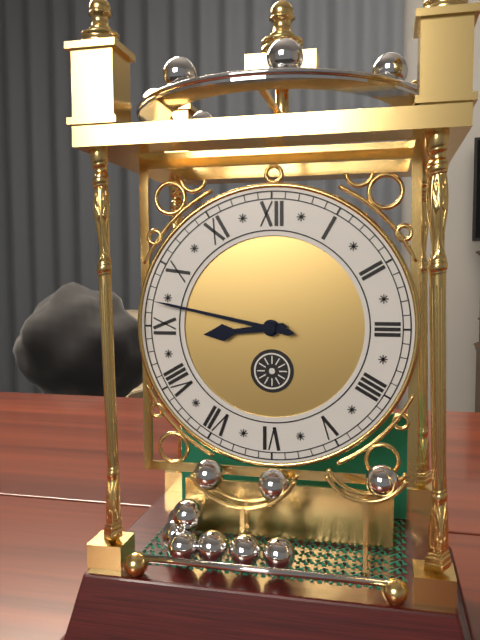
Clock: 8:47
